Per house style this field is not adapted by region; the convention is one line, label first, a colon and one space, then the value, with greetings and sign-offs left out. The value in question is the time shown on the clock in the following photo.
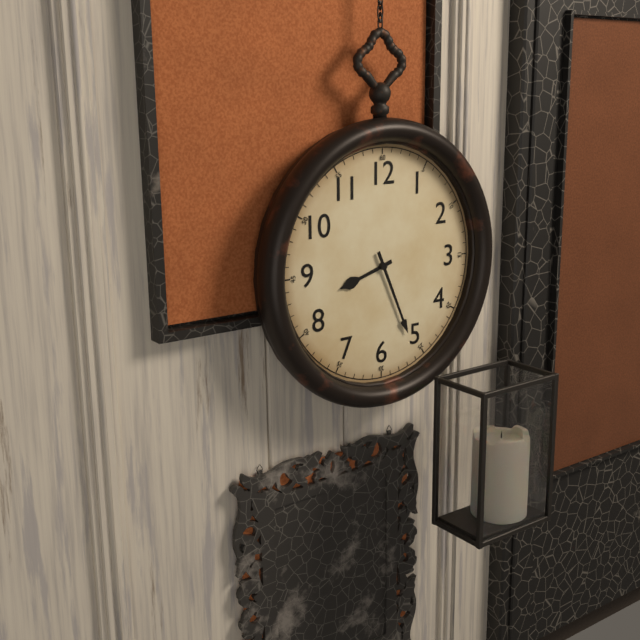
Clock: 8:26
